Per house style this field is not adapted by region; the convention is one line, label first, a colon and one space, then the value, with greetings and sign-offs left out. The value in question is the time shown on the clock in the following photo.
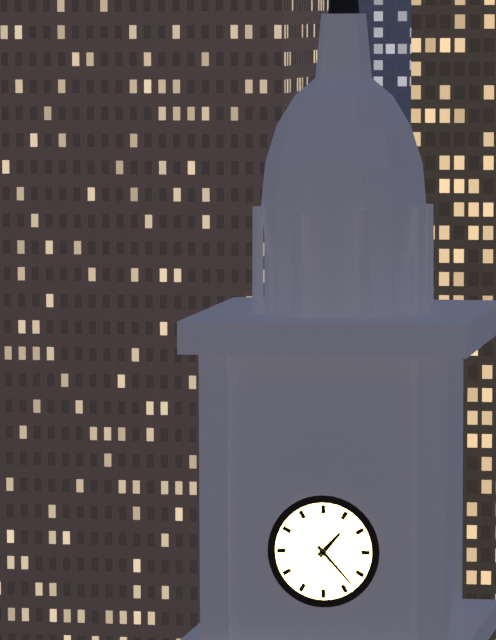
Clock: 1:23
